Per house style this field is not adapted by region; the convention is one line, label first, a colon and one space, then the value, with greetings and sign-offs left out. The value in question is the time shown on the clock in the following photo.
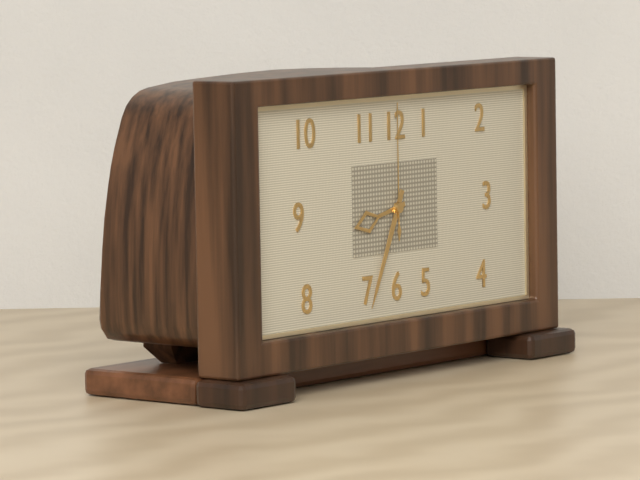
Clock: 8:34:00
